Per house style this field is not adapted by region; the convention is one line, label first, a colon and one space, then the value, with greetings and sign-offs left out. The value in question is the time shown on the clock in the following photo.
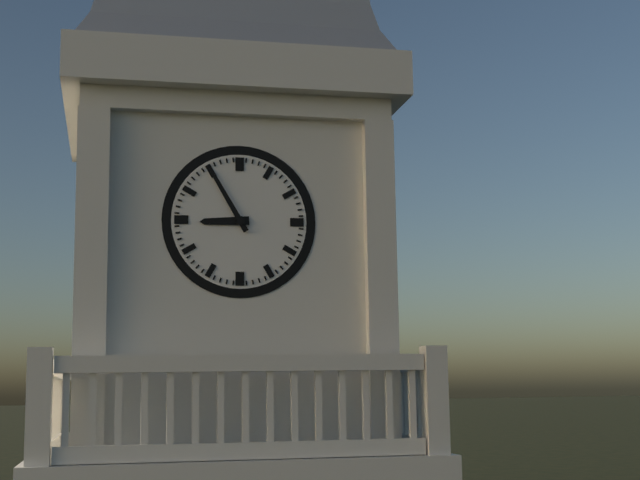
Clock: 8:55
